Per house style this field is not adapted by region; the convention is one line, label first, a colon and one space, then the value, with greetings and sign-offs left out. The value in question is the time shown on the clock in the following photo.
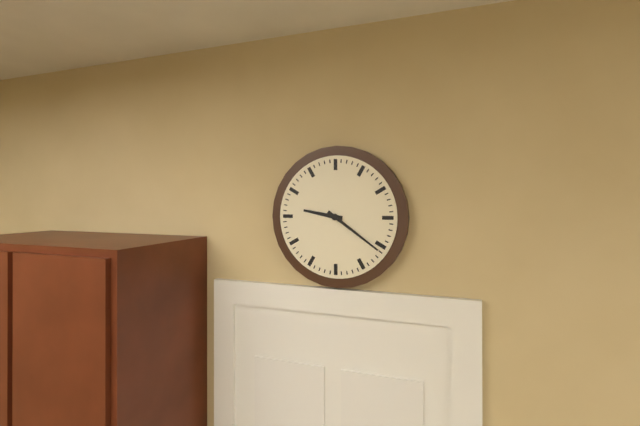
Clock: 9:21
